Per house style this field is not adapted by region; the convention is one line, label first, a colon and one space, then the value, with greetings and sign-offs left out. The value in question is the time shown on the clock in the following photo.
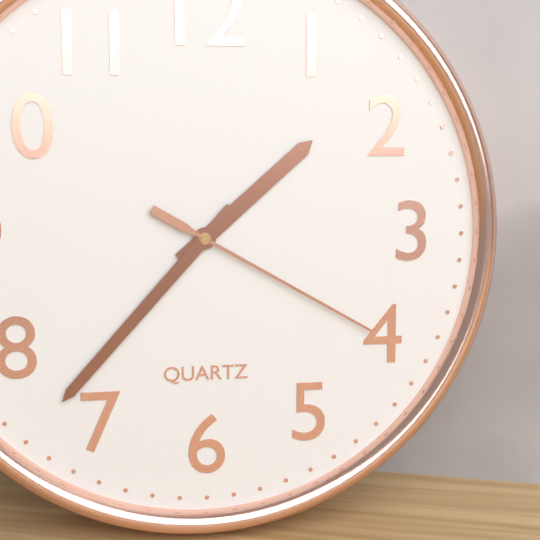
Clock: 1:37:20
